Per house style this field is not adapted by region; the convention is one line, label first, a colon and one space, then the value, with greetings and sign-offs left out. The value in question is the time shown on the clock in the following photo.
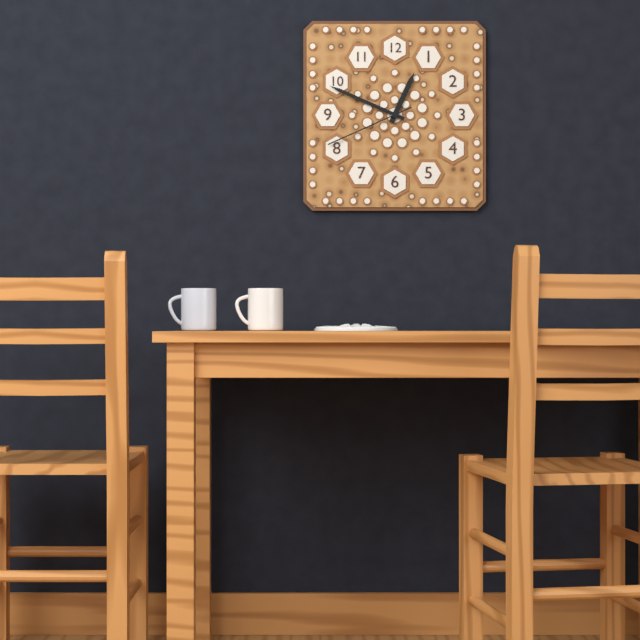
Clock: 12:49:41
